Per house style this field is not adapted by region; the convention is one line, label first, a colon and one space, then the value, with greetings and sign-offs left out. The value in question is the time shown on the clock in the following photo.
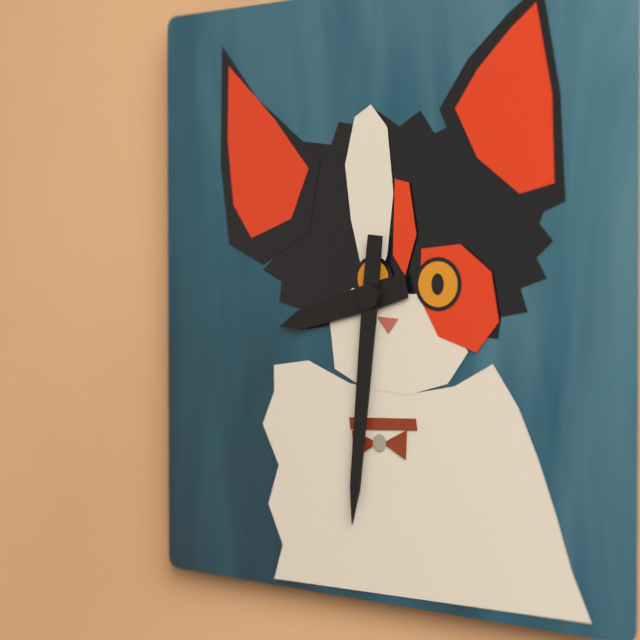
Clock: 8:31
